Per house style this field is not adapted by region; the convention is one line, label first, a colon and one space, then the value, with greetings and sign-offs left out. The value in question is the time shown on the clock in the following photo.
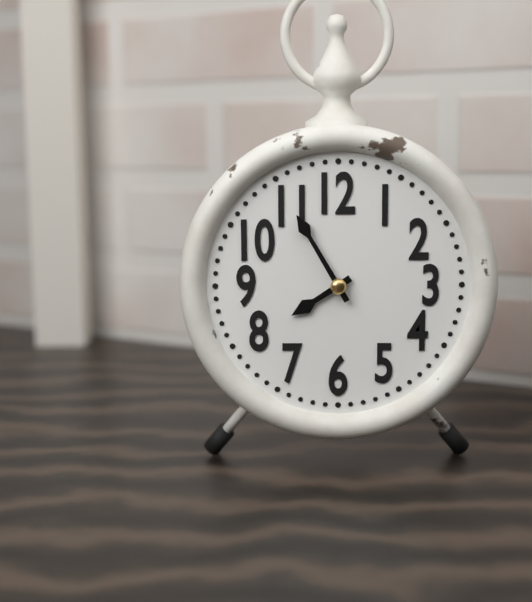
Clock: 7:55
